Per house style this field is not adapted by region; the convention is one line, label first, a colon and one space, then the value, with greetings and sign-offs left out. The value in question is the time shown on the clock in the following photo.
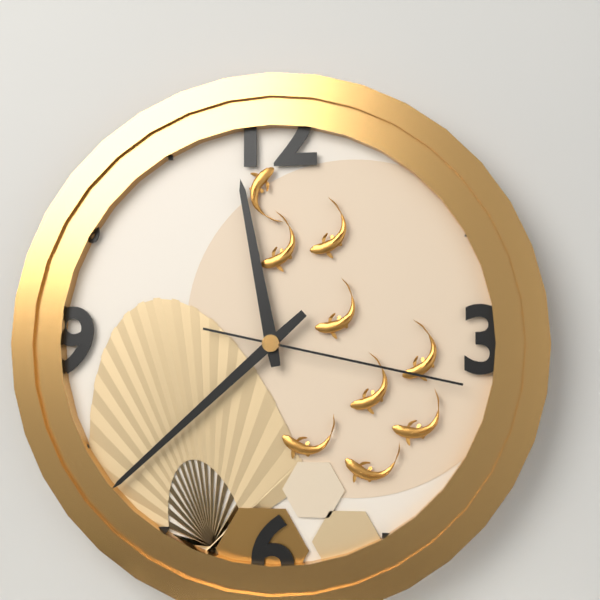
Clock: 11:38:17
